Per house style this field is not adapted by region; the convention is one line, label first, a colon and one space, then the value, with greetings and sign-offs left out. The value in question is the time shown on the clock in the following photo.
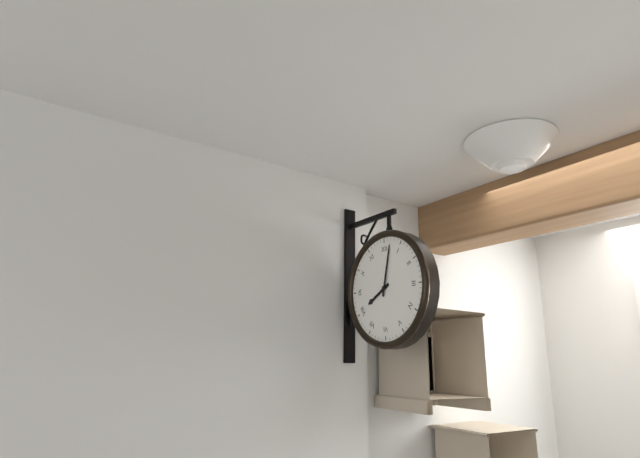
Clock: 8:02
